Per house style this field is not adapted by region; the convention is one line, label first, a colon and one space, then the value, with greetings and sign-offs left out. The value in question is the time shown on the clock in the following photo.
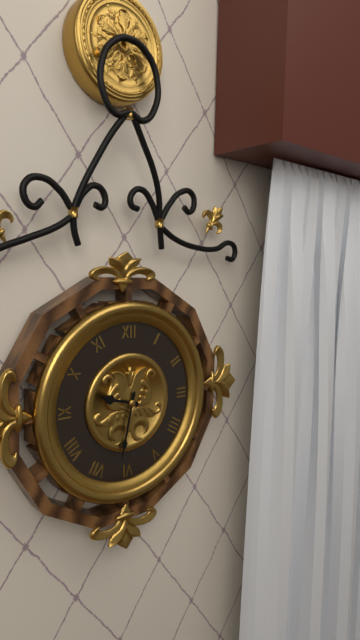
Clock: 9:32
